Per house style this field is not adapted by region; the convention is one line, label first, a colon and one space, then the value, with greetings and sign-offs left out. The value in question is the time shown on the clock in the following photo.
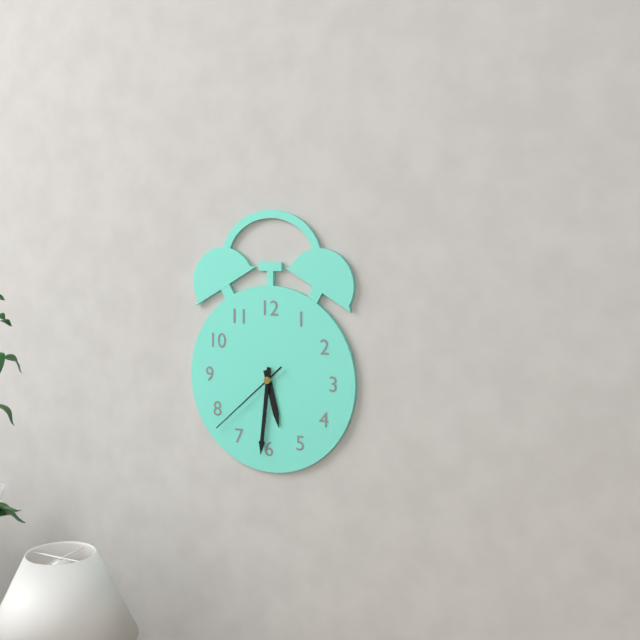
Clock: 5:31:38
